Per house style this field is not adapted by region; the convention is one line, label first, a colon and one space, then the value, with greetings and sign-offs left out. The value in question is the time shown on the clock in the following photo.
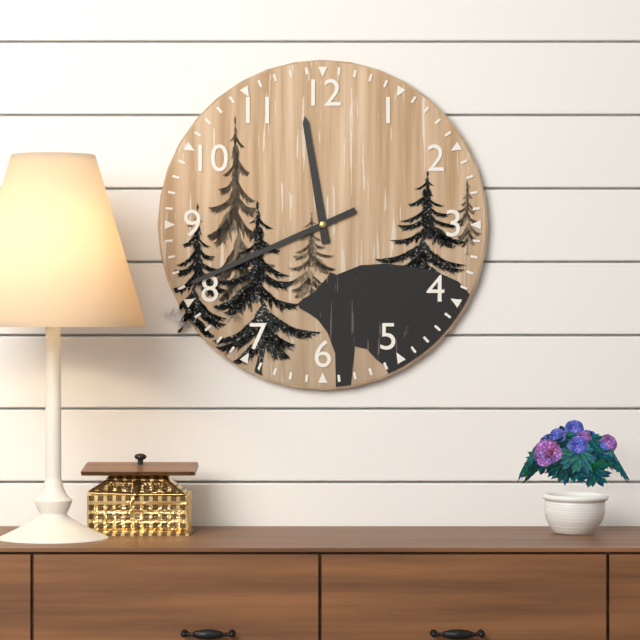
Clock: 11:41
